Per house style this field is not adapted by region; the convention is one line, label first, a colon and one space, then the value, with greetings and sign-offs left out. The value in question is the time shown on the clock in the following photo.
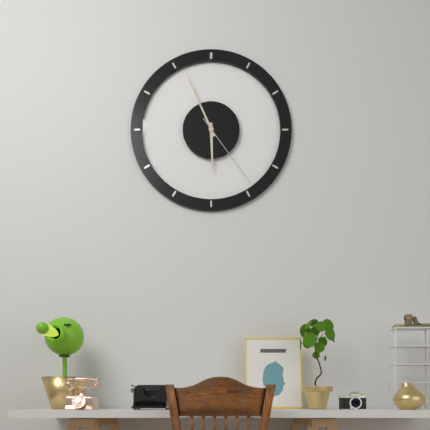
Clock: 5:56:24
